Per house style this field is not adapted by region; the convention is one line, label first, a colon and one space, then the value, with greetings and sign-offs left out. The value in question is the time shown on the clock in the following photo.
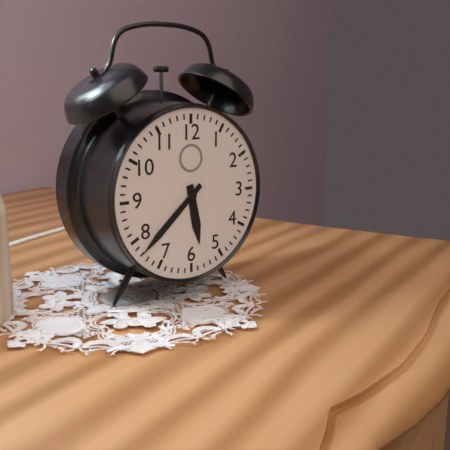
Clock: 5:38
